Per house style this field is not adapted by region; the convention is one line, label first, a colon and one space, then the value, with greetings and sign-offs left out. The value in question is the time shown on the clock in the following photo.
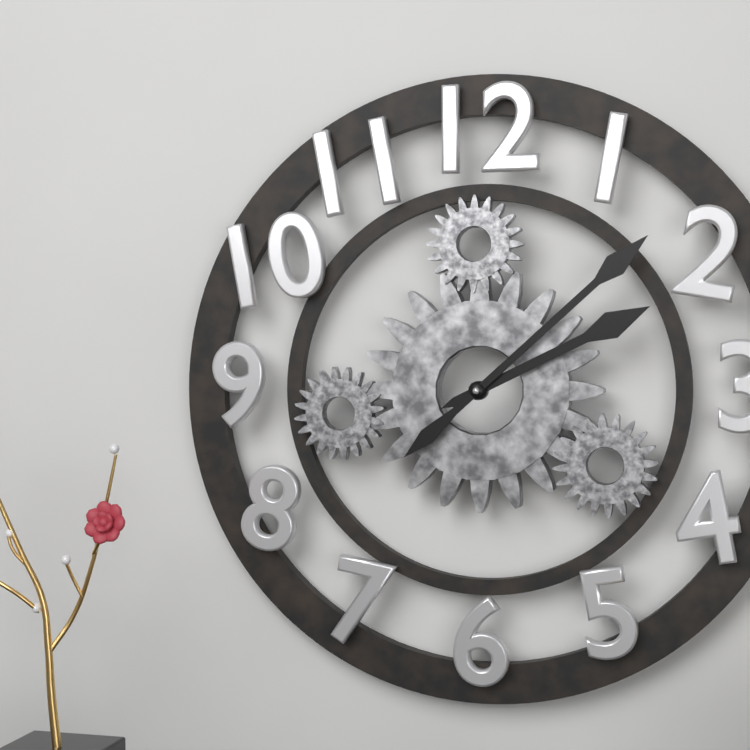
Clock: 2:08
